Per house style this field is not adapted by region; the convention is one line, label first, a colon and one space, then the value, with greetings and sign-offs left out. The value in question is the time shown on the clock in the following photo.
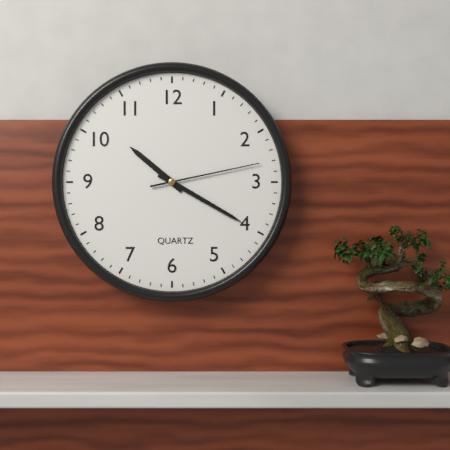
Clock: 10:20:13
